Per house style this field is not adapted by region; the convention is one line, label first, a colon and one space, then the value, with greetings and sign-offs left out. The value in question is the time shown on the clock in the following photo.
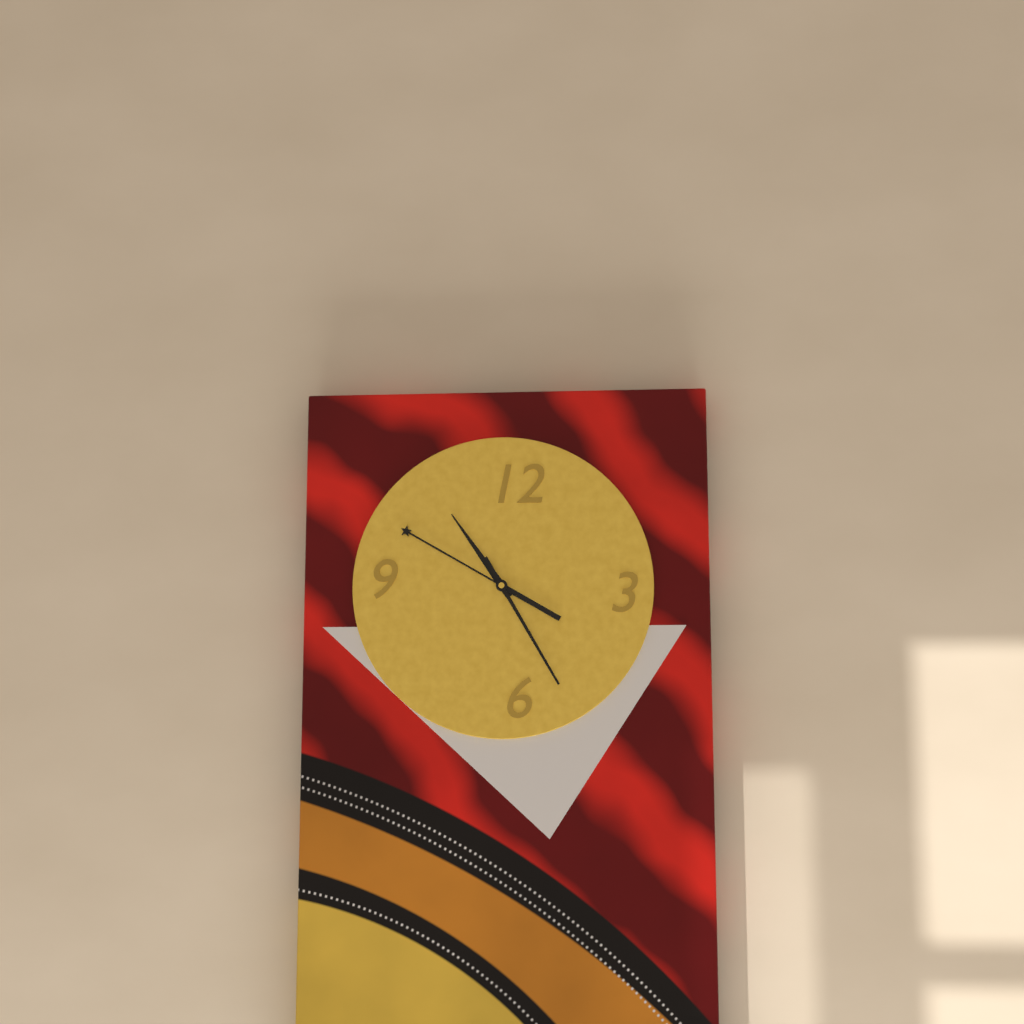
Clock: 10:50:25
